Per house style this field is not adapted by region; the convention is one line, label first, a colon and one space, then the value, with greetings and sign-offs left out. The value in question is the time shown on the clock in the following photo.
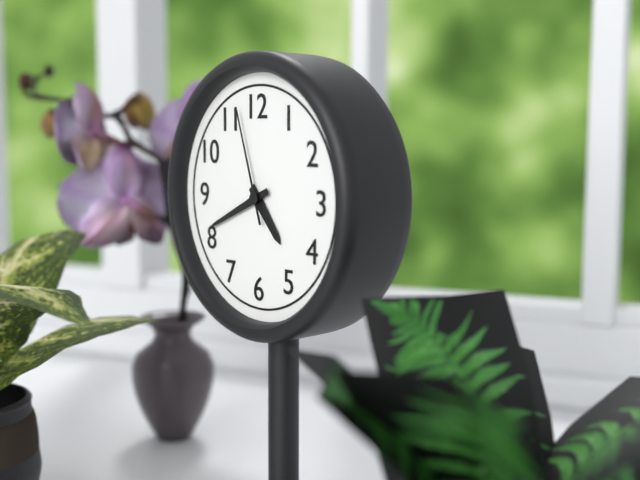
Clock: 4:41:57
